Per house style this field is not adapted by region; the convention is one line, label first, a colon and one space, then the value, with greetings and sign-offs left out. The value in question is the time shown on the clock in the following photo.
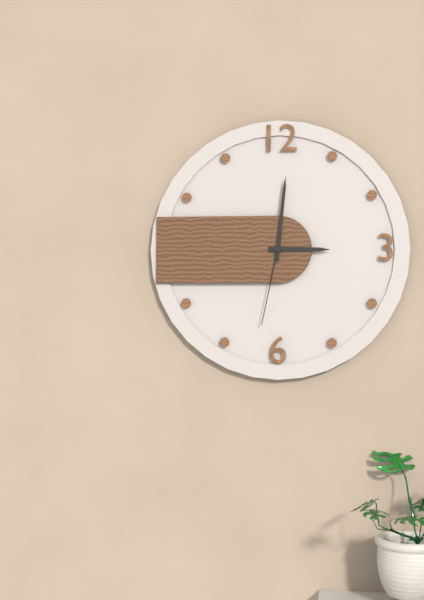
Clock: 3:01:32
